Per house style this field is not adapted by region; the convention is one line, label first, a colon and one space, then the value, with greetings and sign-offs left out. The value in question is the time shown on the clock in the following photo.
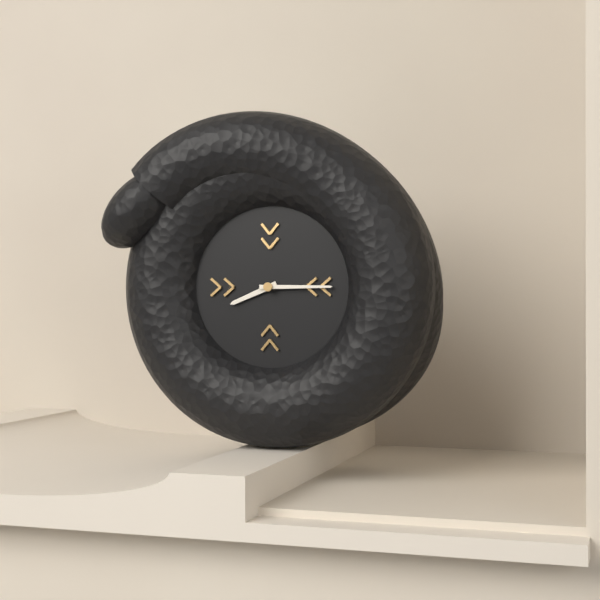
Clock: 8:15
